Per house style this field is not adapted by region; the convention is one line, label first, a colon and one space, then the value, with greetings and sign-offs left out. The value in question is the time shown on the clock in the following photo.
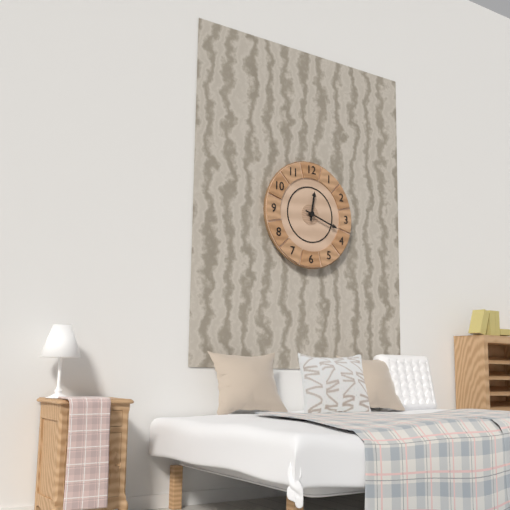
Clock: 12:18
